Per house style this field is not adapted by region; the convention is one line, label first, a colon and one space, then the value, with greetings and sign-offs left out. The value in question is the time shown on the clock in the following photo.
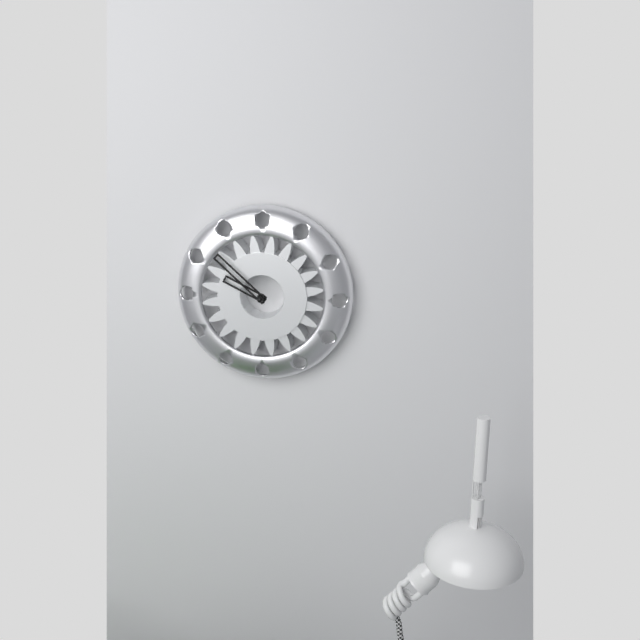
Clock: 9:52
